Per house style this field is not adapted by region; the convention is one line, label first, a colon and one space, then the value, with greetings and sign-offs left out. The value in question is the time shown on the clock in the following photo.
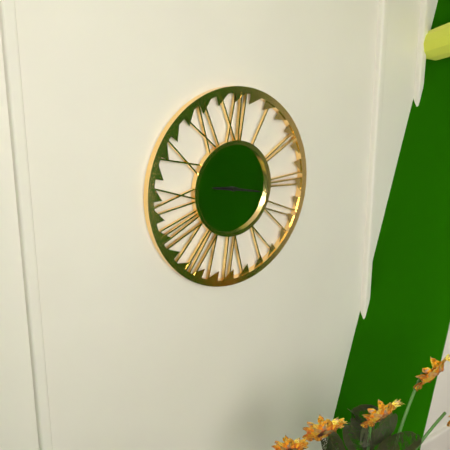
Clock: 9:17
